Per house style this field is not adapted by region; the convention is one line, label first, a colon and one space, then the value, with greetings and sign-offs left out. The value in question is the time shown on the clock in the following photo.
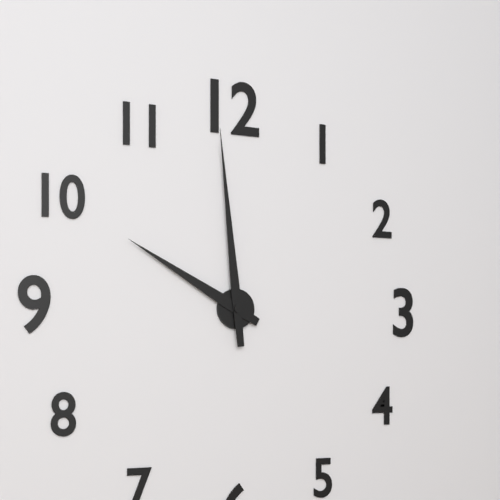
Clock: 9:59
